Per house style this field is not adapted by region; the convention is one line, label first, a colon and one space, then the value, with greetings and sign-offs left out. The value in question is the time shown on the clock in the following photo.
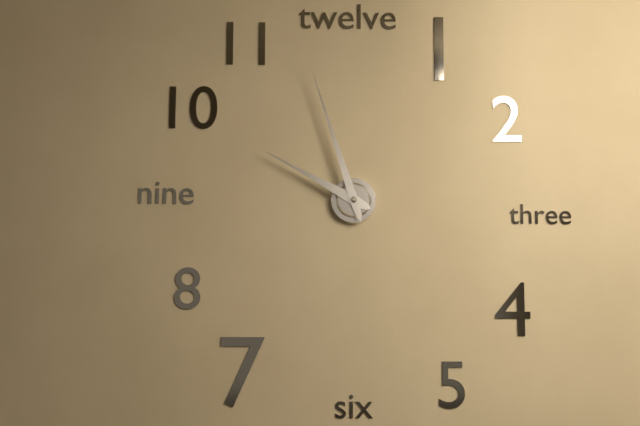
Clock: 9:57
